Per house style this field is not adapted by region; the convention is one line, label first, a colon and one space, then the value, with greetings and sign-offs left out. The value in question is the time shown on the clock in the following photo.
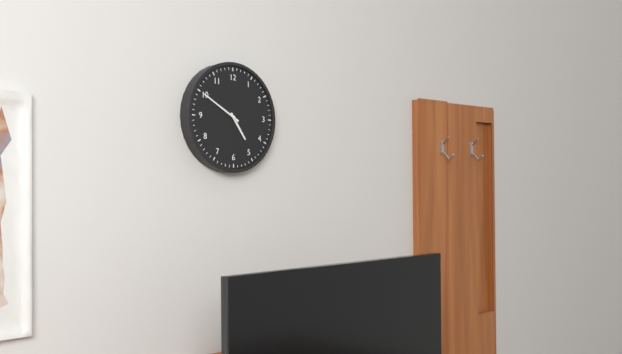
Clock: 4:50
